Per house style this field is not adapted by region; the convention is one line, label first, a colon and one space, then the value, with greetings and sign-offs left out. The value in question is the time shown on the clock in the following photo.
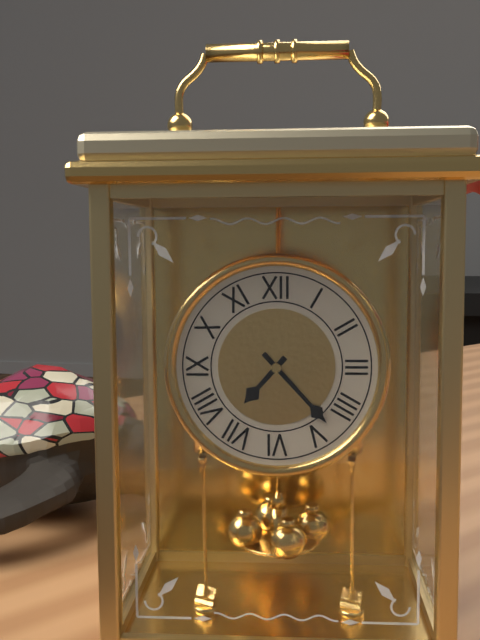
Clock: 7:23
